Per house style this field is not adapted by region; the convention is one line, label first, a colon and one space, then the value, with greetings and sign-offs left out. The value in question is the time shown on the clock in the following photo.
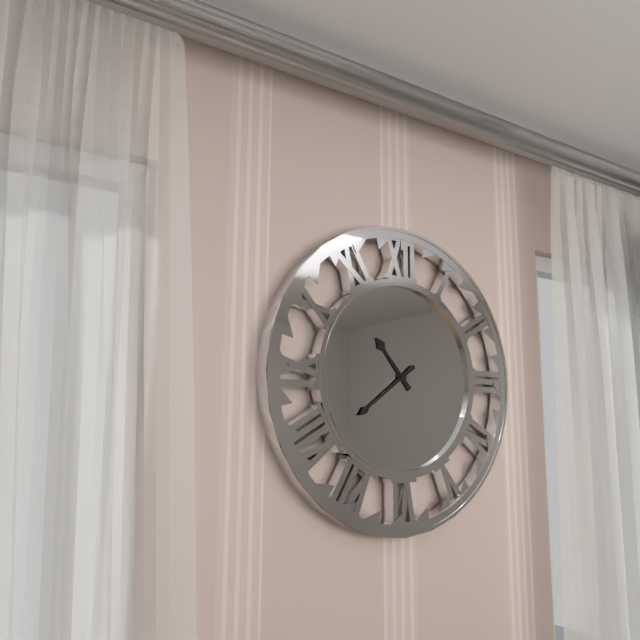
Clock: 10:39
